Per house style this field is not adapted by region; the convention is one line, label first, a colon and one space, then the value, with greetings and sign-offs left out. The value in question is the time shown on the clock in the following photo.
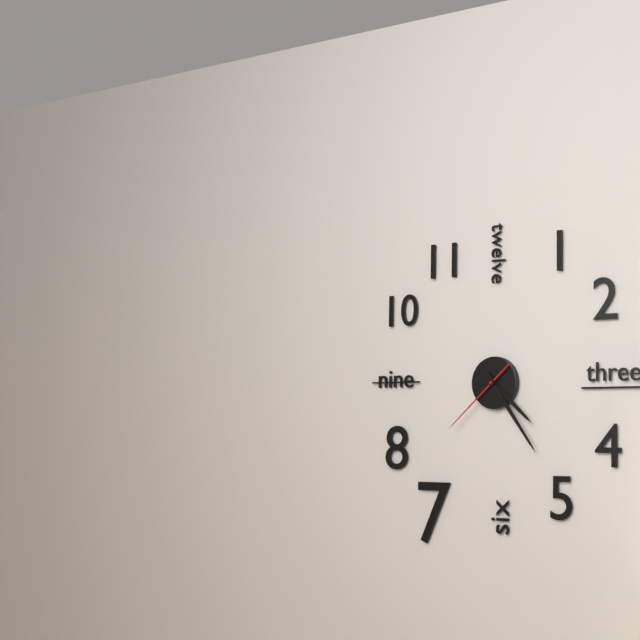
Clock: 4:24:38
